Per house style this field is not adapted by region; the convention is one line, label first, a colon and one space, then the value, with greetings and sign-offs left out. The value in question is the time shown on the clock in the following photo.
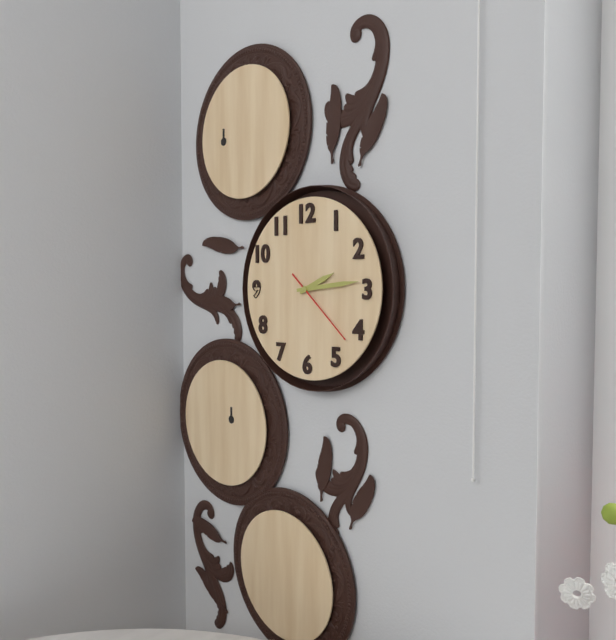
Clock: 2:14:22
